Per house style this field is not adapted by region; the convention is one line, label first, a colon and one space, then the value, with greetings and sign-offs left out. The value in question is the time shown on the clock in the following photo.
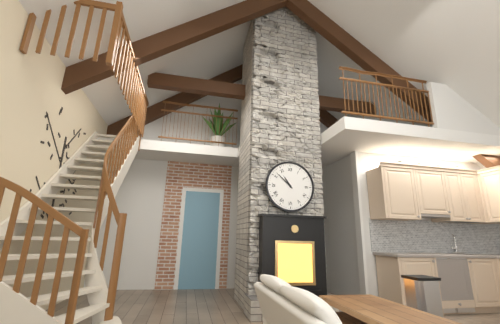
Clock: 10:52
